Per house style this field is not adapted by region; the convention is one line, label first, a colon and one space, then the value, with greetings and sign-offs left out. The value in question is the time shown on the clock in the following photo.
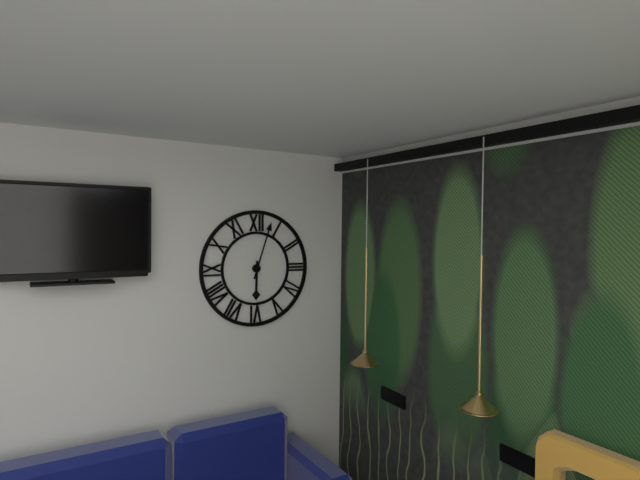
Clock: 6:03
